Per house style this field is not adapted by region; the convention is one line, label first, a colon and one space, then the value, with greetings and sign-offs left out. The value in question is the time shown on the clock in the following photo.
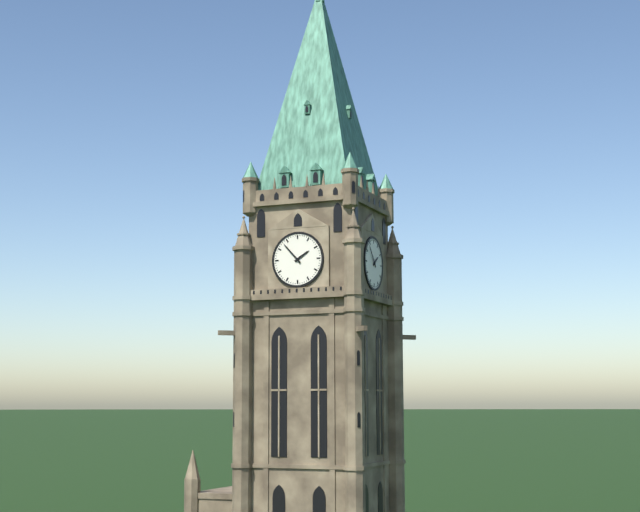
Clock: 1:53
